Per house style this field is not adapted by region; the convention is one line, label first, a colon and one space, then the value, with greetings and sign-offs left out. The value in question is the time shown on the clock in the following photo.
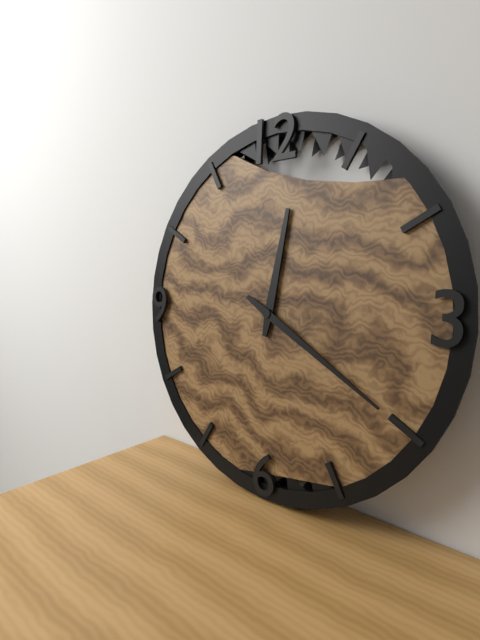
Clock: 12:20
